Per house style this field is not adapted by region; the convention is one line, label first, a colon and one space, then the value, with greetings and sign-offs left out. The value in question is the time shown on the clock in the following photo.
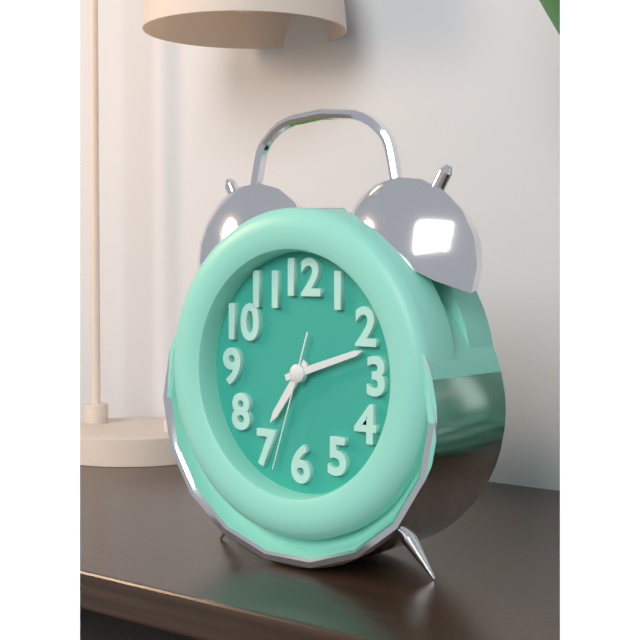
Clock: 7:12:33
